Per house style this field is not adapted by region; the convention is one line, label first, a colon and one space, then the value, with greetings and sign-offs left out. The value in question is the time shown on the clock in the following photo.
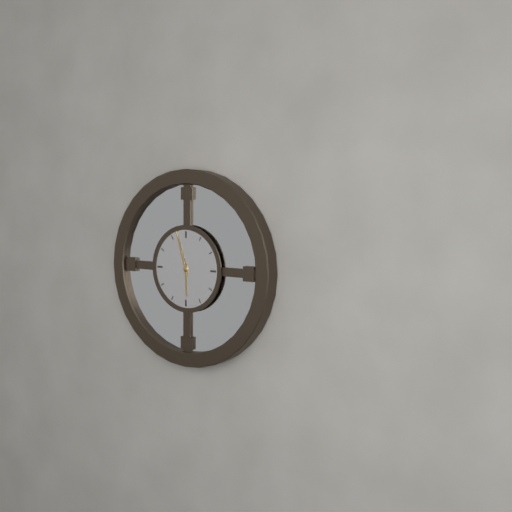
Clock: 5:57
